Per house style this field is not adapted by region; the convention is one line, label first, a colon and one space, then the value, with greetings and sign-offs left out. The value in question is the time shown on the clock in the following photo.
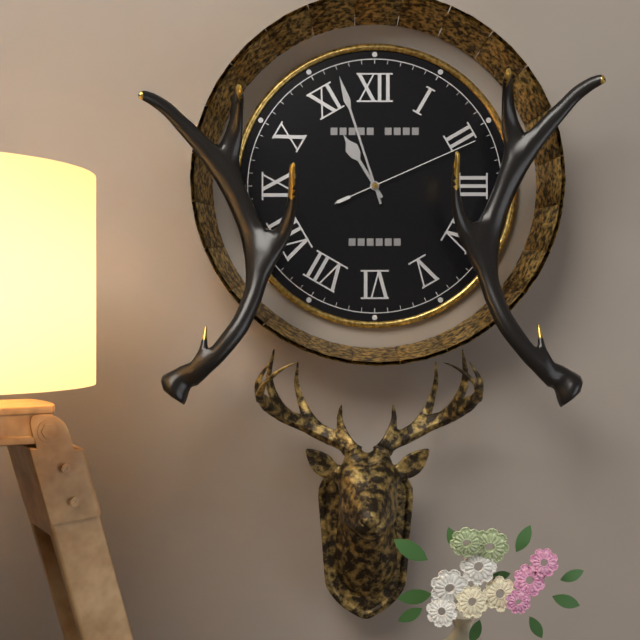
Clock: 10:57:11
